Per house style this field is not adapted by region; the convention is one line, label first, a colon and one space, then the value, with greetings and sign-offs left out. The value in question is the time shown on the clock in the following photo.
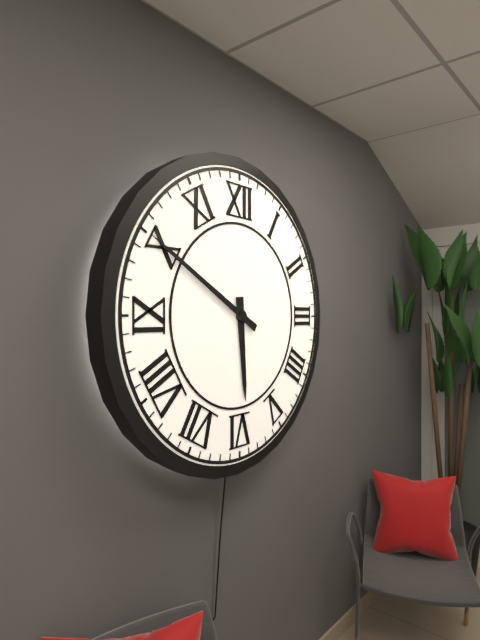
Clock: 5:50
